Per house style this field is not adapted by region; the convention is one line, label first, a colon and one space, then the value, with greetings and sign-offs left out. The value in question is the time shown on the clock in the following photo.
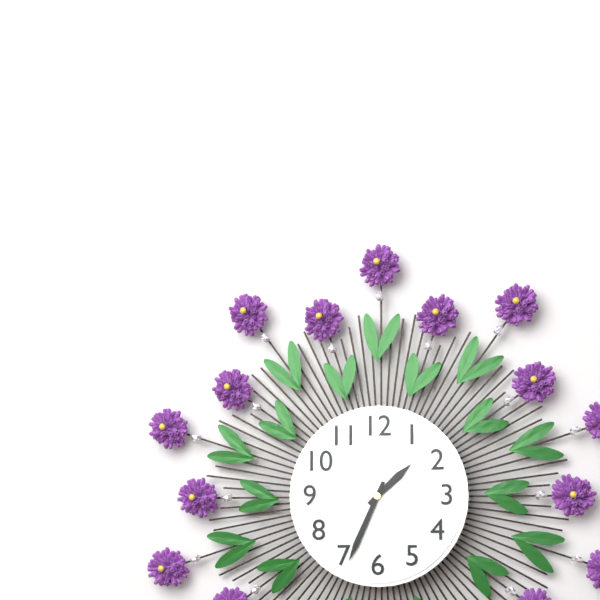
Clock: 1:34
